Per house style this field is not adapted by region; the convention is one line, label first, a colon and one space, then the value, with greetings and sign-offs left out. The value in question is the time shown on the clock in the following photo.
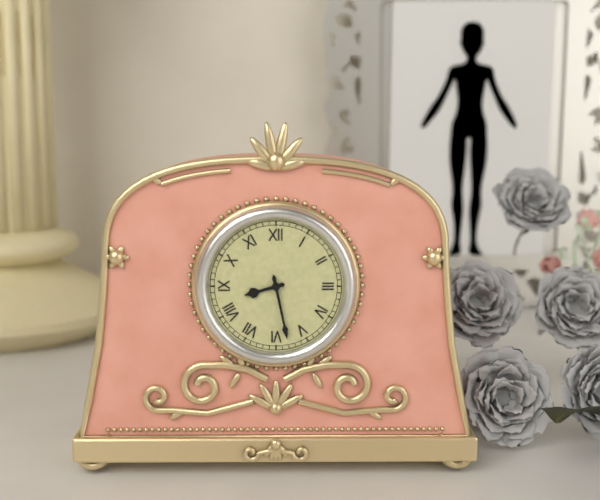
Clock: 8:28
